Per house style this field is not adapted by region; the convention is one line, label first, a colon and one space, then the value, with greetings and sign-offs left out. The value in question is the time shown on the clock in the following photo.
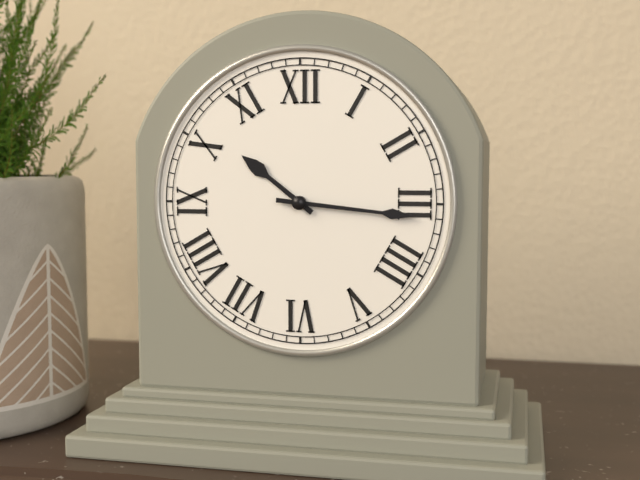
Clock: 10:16
